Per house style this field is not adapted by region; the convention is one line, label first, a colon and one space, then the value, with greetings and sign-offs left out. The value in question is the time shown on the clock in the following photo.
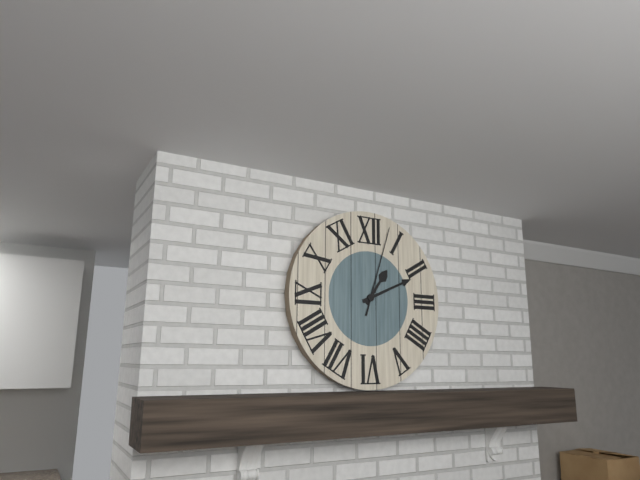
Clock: 1:11:03
